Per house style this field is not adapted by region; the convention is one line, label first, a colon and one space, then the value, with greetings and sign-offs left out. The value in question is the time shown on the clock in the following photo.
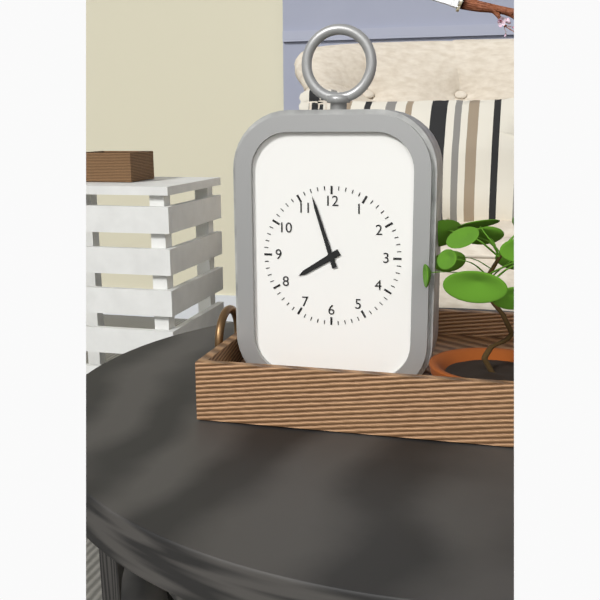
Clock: 7:57
